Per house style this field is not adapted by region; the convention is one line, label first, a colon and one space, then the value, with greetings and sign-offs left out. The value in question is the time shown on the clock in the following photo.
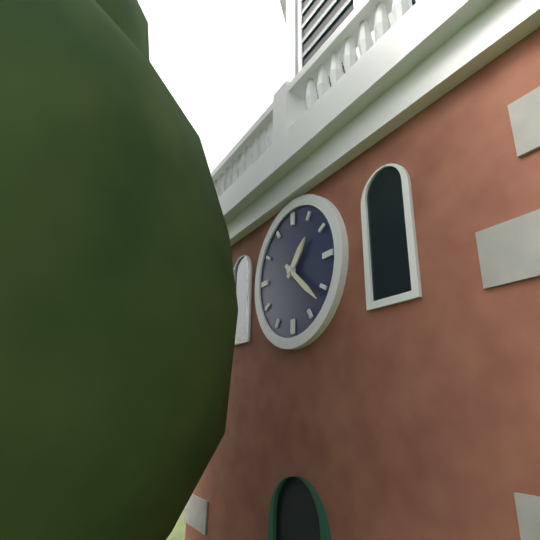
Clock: 1:22
